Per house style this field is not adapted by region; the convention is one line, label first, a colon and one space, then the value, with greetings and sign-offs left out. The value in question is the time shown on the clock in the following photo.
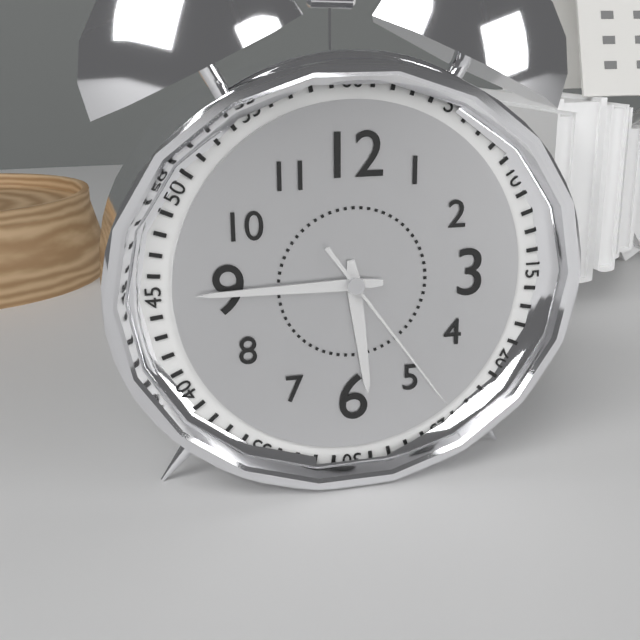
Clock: 5:45:24
